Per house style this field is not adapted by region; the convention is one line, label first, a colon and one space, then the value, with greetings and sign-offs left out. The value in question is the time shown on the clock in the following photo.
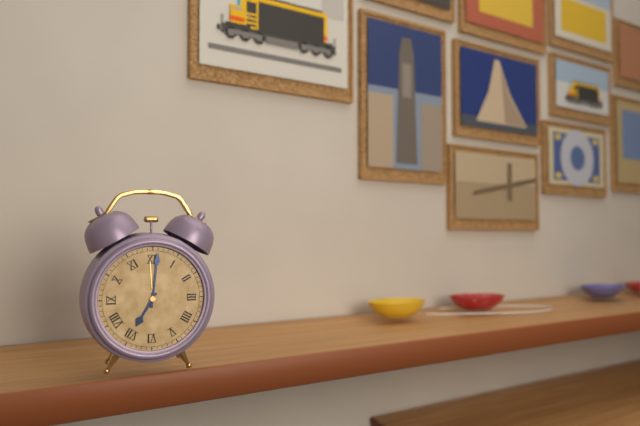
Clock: 7:01
